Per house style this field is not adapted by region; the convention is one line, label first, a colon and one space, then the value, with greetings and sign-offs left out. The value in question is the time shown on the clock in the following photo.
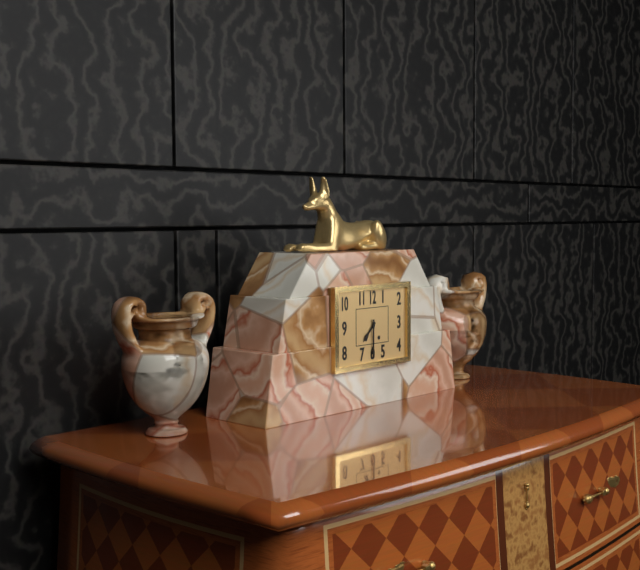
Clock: 7:30
